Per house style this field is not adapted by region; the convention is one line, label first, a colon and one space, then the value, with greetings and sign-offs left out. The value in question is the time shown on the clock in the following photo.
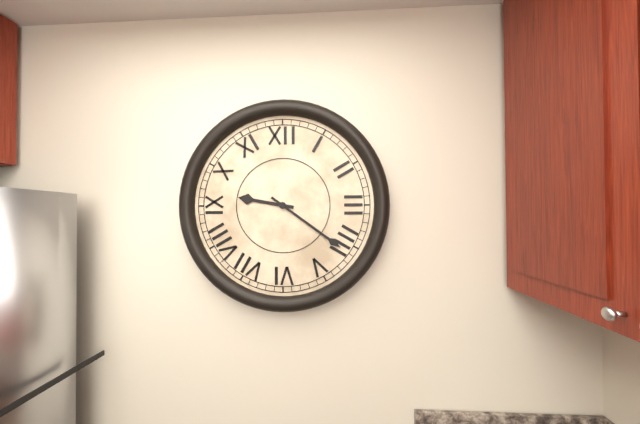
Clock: 9:21
